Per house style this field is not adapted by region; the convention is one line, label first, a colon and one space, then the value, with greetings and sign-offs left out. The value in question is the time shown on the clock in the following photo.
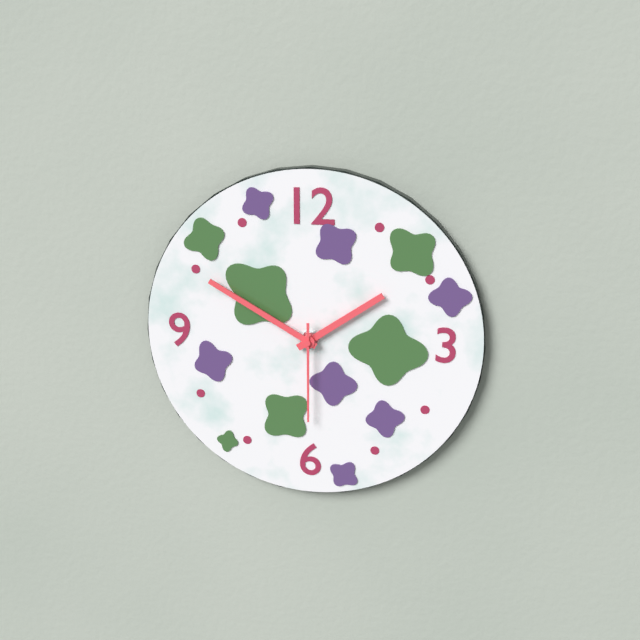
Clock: 1:50:30
